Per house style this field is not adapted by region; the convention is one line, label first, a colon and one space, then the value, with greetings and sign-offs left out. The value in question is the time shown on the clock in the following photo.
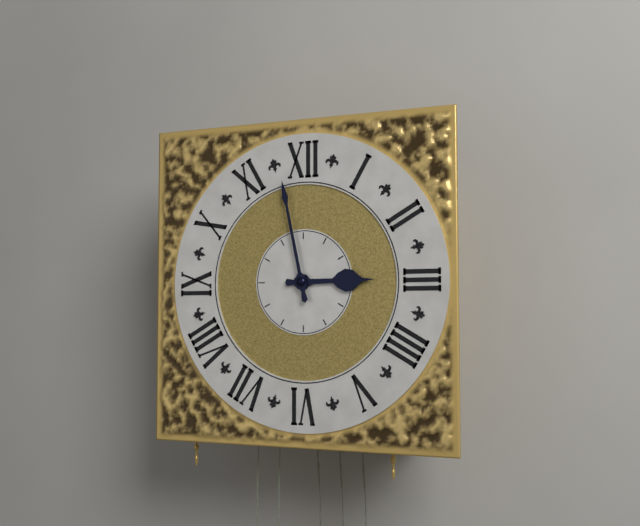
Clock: 2:58
